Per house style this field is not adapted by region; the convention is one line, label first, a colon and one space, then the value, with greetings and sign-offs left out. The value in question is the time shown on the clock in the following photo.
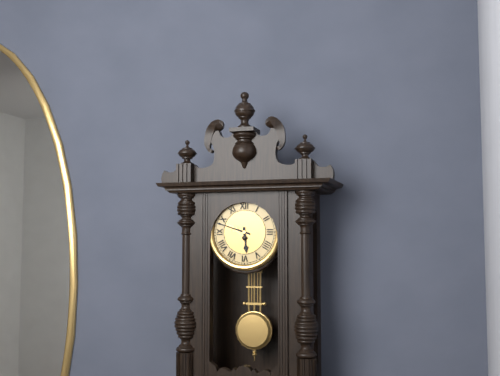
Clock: 5:48
